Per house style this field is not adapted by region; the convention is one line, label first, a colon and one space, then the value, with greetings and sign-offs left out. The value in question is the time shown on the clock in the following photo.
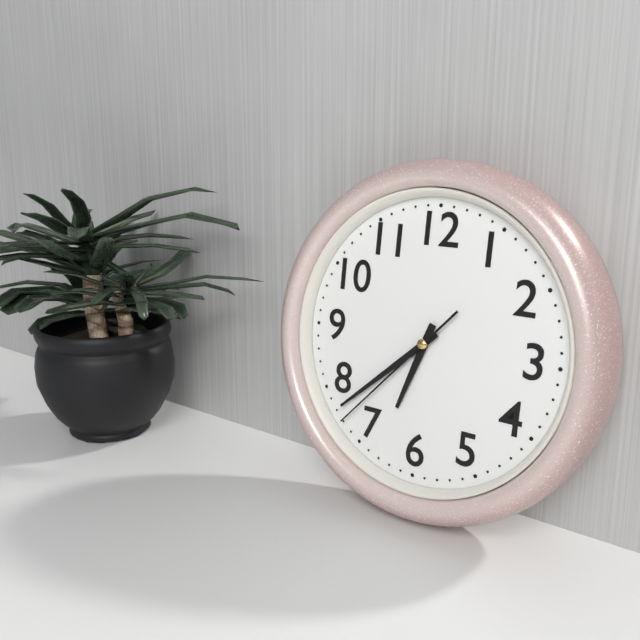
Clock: 6:38:37
